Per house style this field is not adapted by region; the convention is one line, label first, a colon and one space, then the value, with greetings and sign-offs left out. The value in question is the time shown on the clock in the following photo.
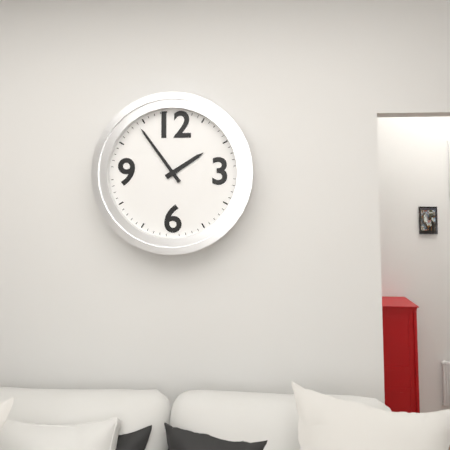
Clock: 1:54
